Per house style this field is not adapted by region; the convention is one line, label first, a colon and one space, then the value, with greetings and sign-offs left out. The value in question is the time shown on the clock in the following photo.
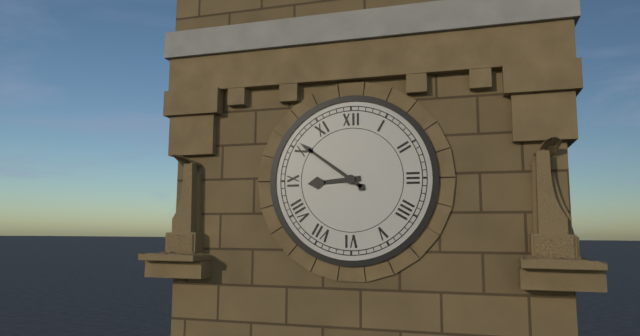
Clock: 8:51
